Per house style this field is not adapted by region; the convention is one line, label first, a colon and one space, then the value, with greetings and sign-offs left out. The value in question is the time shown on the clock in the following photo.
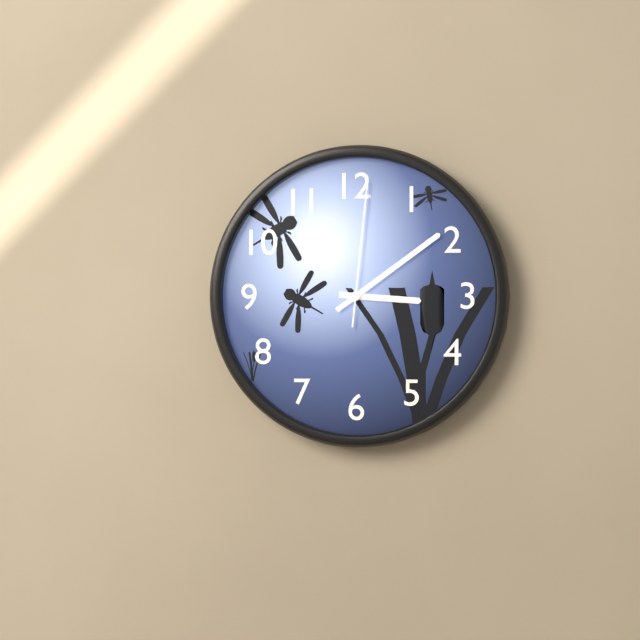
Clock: 3:09:01
